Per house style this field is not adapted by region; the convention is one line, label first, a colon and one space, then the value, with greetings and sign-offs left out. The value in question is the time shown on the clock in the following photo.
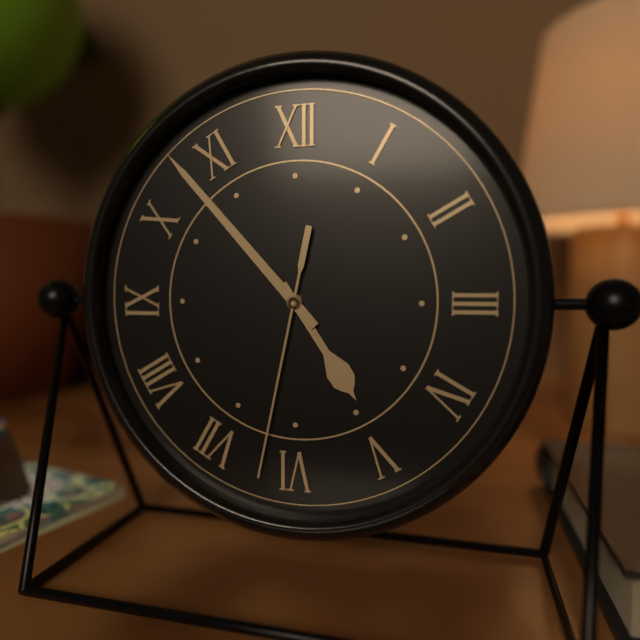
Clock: 4:53:32
